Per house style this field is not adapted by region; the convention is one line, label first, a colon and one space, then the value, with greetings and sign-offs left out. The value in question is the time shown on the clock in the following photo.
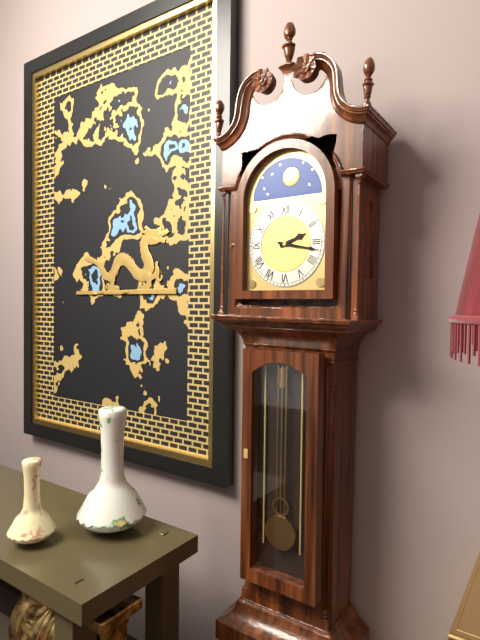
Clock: 2:17
